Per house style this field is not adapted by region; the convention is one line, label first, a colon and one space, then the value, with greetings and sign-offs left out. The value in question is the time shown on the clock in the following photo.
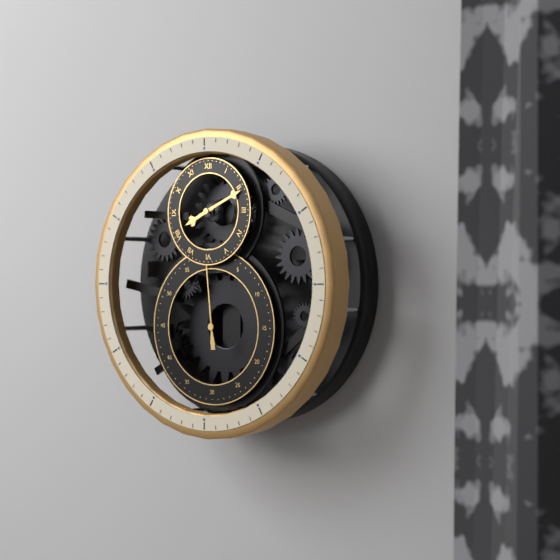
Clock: 8:11:59
